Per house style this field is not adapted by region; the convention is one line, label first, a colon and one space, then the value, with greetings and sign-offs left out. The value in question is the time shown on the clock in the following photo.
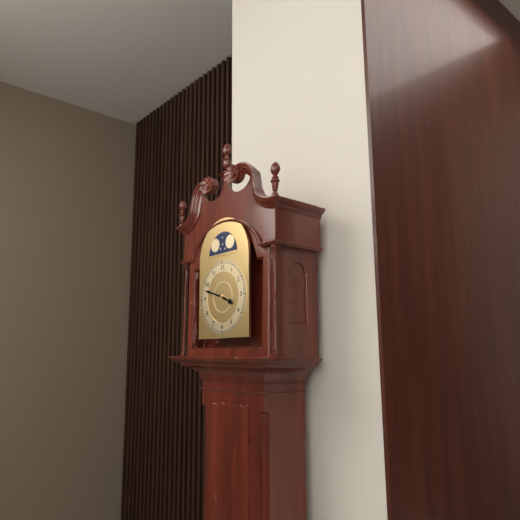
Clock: 3:48
